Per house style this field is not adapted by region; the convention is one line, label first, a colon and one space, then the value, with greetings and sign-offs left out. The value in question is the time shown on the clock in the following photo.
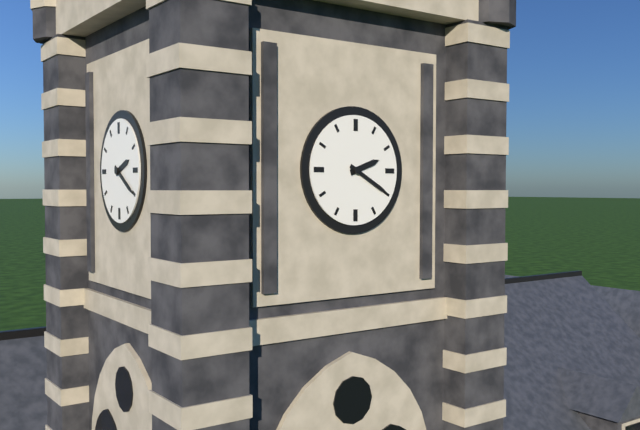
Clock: 2:20
